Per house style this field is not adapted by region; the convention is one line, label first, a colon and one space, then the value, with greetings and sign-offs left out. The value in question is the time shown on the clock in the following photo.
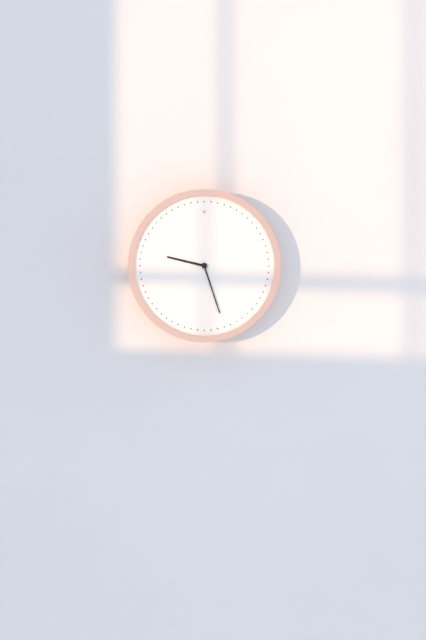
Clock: 9:27
